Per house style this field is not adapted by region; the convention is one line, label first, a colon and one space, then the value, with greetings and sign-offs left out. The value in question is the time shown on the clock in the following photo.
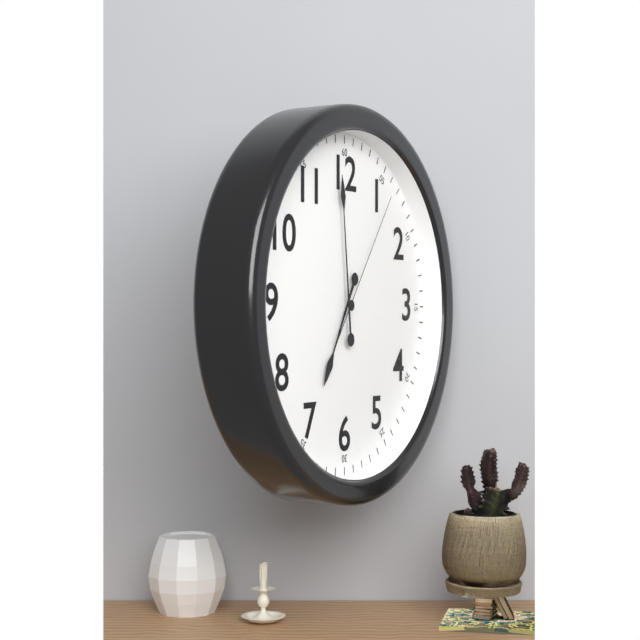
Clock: 6:59:06
